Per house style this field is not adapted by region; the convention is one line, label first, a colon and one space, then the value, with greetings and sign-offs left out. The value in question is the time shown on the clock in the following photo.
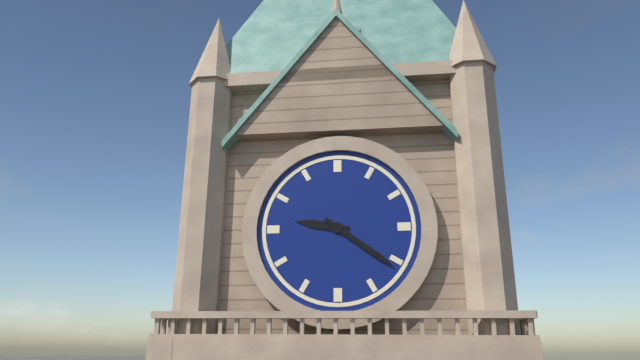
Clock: 9:21
